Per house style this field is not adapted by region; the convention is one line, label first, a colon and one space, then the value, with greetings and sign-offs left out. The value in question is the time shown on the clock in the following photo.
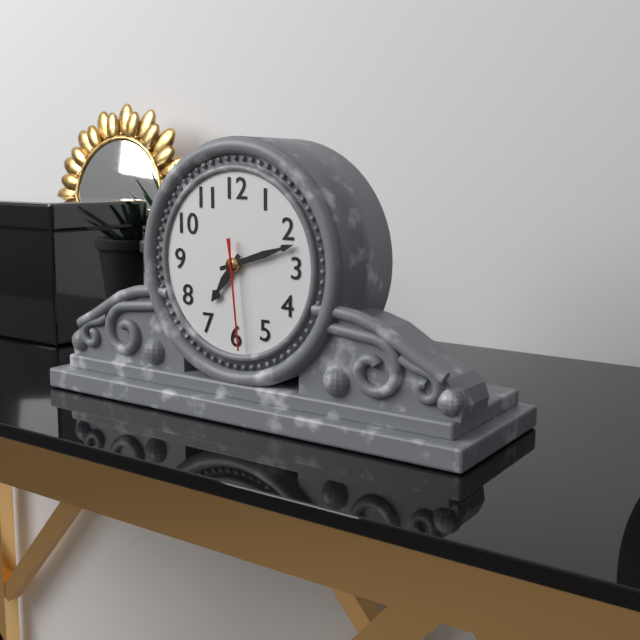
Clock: 7:12:29
